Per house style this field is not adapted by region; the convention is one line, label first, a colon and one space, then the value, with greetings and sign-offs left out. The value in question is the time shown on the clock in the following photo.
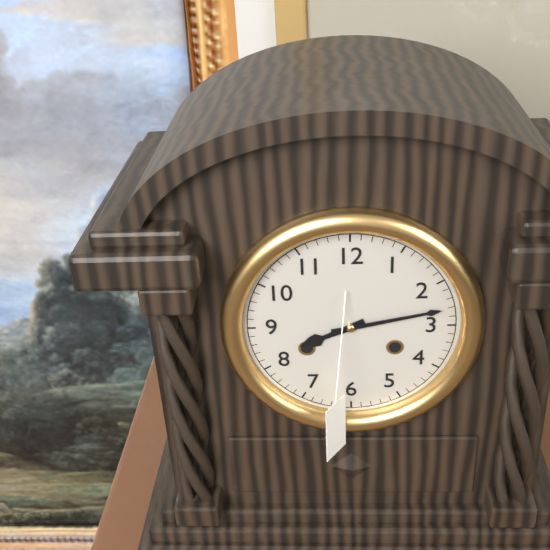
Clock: 8:13
